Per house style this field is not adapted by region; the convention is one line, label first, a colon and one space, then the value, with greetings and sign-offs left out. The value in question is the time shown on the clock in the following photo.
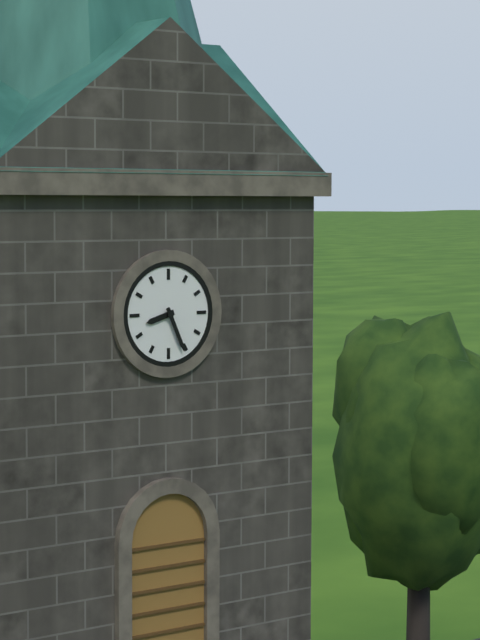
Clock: 8:26
